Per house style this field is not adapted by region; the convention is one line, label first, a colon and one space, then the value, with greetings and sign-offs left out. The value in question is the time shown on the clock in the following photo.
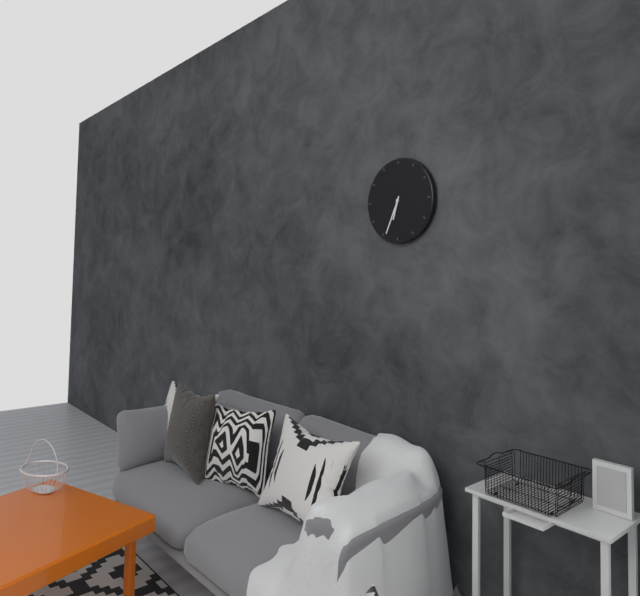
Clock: 6:34
